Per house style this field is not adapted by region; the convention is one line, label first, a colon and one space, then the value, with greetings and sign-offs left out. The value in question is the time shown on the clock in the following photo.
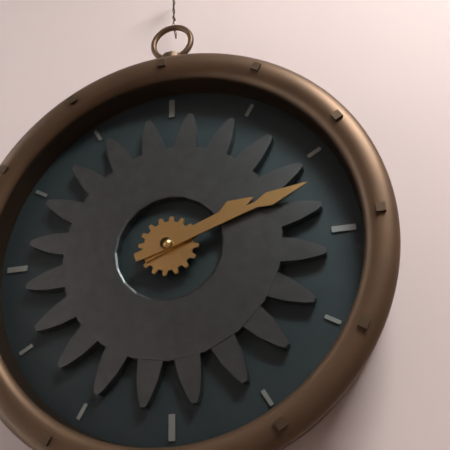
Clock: 2:12
